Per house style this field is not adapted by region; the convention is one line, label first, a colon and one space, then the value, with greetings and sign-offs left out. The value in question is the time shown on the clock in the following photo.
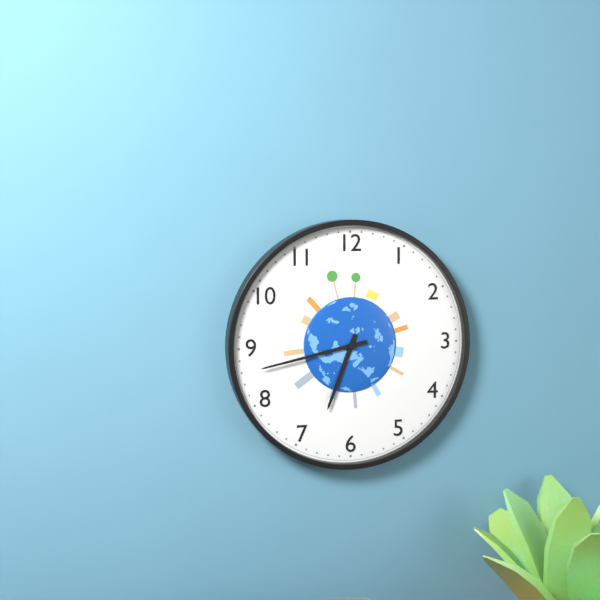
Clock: 6:43
